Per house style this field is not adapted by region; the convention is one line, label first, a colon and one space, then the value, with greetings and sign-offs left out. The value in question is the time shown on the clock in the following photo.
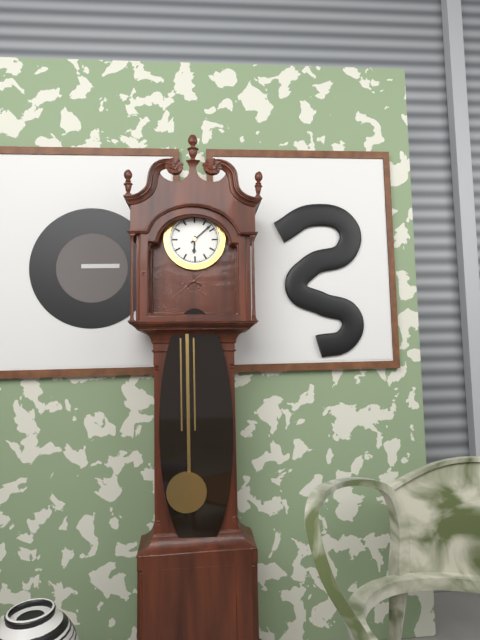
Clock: 6:08
